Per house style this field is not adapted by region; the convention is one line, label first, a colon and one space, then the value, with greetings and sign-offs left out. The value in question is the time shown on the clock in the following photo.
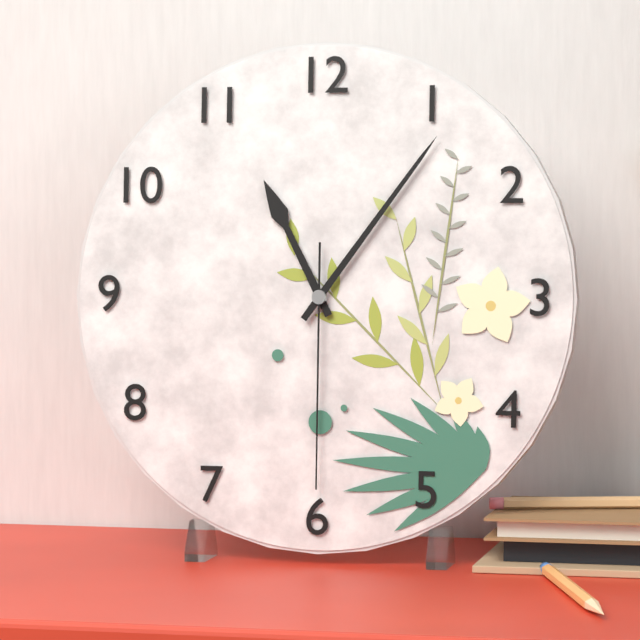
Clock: 11:06:30
